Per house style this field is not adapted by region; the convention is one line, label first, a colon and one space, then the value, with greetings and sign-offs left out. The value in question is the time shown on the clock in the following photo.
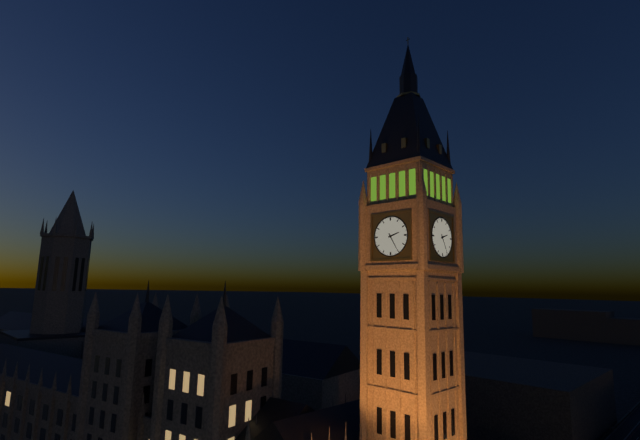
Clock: 2:25
